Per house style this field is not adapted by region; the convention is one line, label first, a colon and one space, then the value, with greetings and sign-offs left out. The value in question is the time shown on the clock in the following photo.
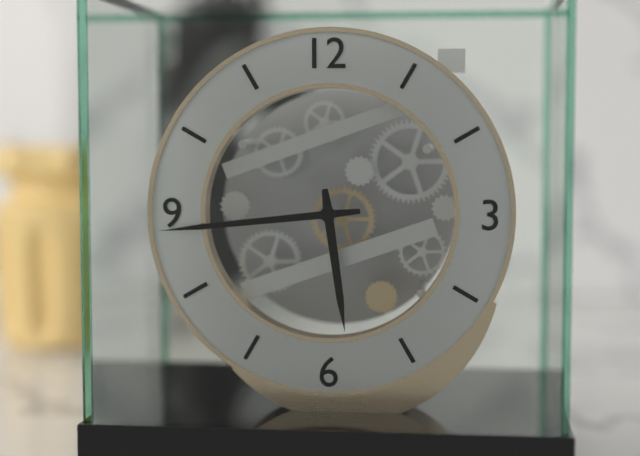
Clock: 5:44
